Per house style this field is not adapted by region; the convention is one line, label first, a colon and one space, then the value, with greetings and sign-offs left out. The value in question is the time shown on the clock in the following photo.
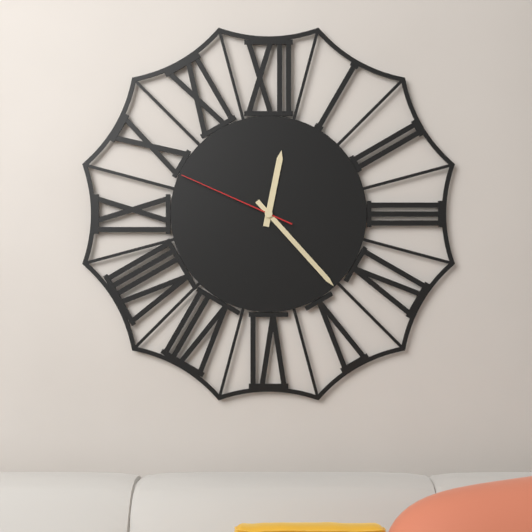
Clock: 12:23:49
